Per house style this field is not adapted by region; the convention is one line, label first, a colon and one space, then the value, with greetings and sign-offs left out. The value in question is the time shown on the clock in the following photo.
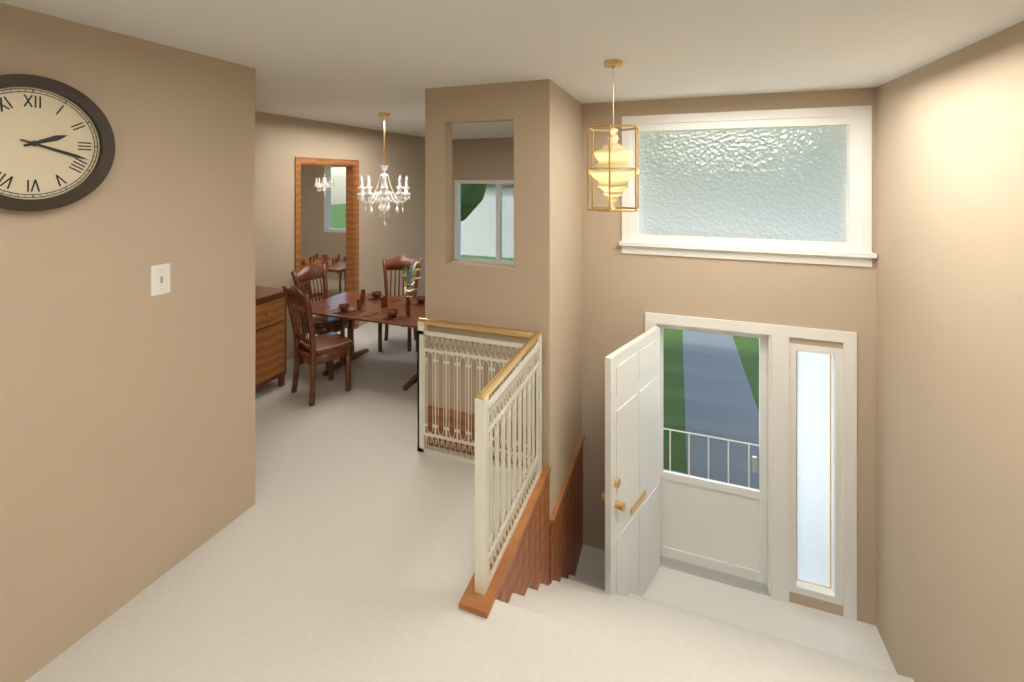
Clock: 2:18
